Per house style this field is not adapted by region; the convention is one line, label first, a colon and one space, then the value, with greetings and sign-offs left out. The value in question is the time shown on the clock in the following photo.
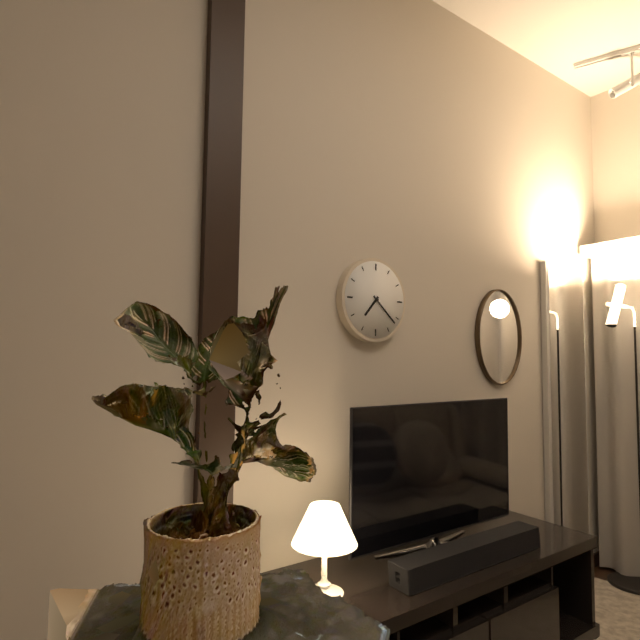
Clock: 7:22
